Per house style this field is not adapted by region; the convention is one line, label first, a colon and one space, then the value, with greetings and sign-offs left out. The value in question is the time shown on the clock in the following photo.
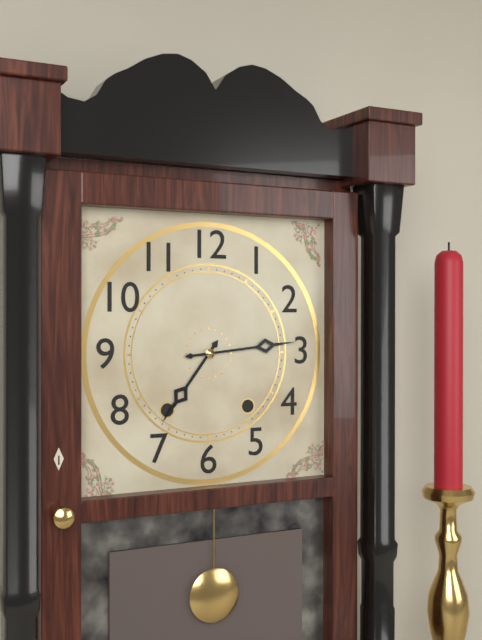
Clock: 7:14
